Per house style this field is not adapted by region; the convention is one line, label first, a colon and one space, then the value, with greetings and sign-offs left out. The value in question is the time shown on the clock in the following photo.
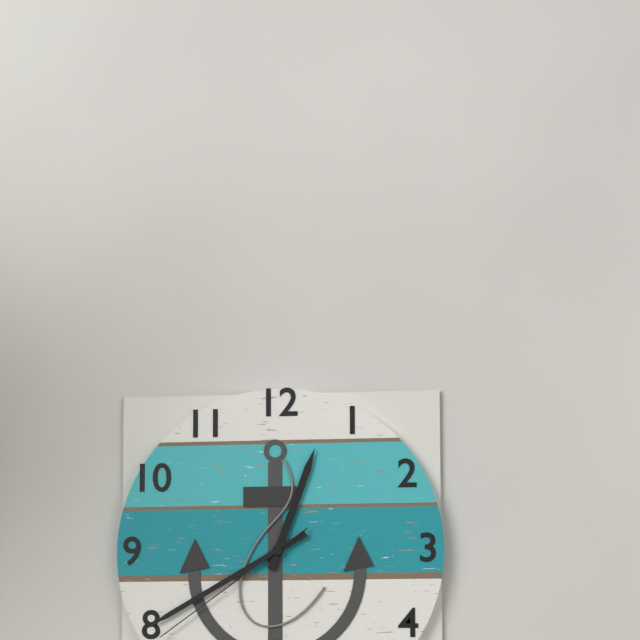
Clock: 12:40:39
